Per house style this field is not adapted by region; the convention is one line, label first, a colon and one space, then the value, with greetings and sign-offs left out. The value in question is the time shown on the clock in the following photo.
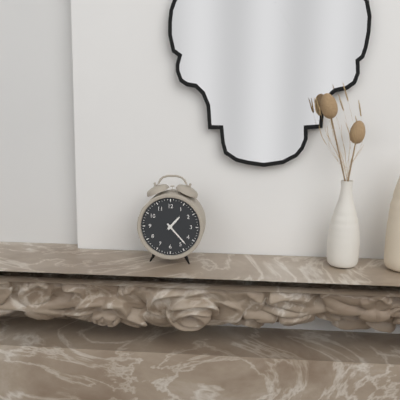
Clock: 1:23
